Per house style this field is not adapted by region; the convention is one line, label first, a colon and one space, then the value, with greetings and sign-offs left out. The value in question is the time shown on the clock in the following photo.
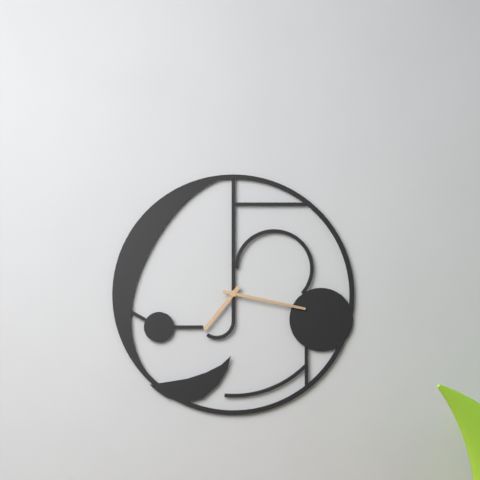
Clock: 7:17
